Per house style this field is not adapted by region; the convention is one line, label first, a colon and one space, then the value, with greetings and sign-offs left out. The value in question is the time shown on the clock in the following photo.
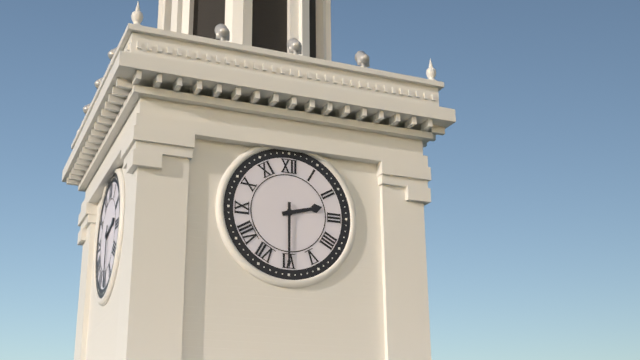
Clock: 2:30
